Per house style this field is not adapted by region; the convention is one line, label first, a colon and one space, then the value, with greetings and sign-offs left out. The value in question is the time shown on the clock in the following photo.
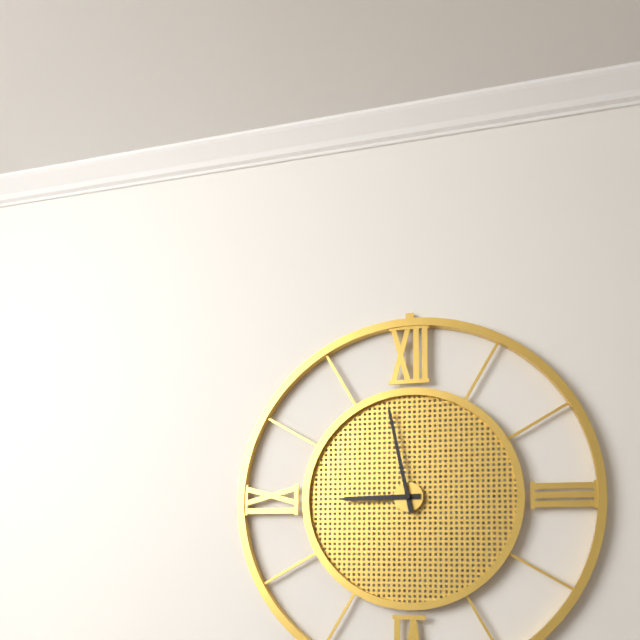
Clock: 8:58
